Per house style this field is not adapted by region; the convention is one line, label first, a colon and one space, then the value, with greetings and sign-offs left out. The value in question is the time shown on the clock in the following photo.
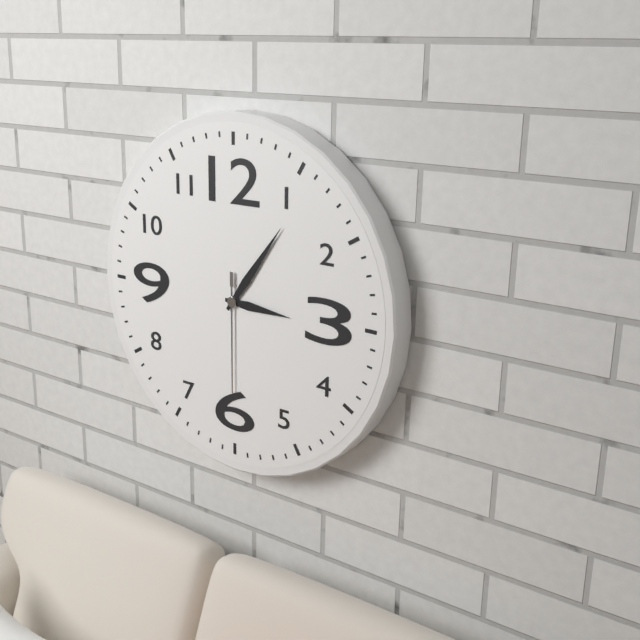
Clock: 3:06:30
